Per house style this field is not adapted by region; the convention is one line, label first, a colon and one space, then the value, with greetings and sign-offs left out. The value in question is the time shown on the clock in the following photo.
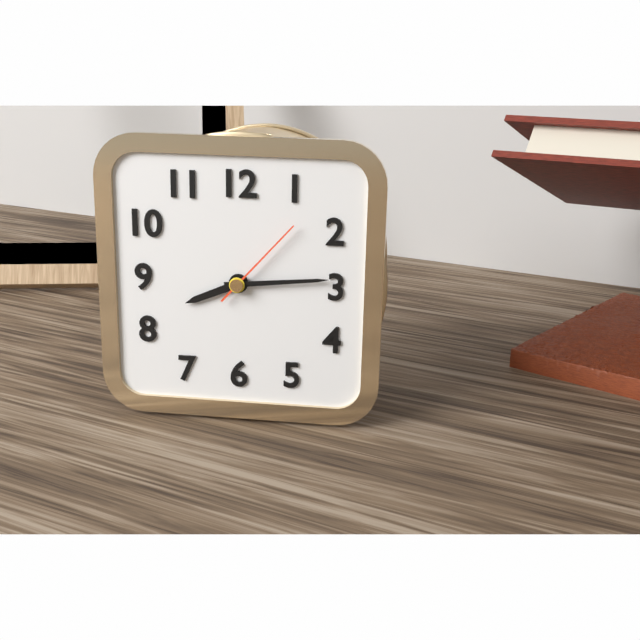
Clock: 8:14:07
